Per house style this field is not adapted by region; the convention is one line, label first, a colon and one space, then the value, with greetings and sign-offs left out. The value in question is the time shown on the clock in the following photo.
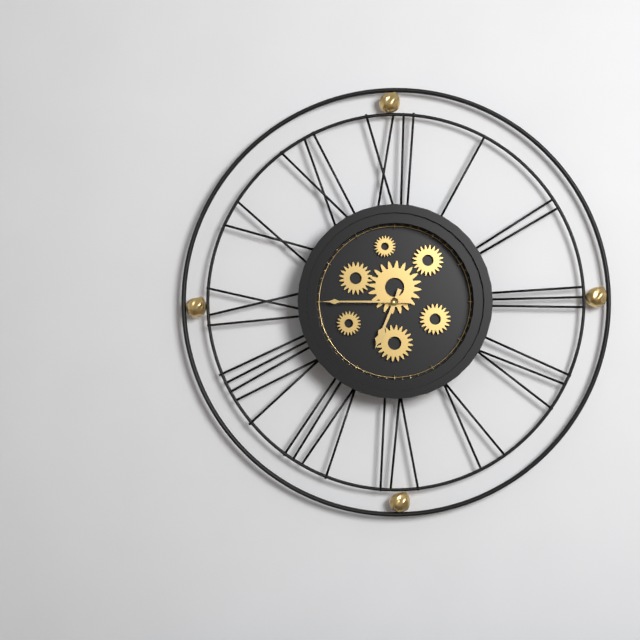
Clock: 6:45
